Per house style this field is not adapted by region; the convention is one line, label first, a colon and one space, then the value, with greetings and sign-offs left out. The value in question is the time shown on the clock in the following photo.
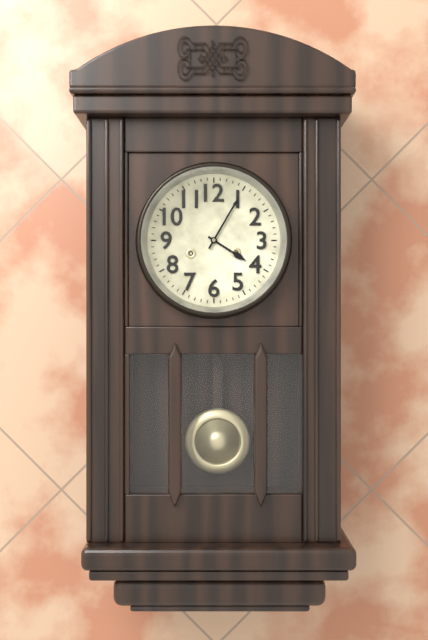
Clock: 4:05
